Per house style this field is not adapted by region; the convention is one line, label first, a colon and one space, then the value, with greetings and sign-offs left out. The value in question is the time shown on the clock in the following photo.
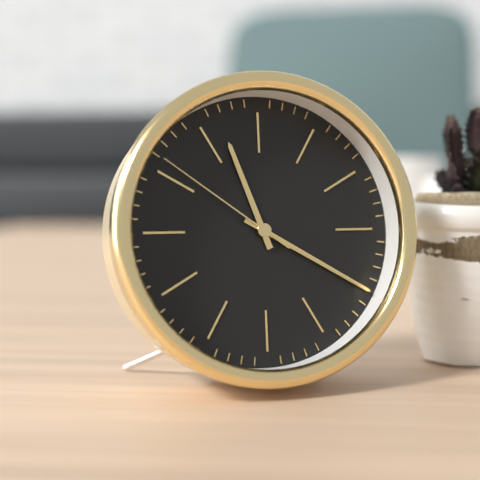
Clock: 11:20:51
